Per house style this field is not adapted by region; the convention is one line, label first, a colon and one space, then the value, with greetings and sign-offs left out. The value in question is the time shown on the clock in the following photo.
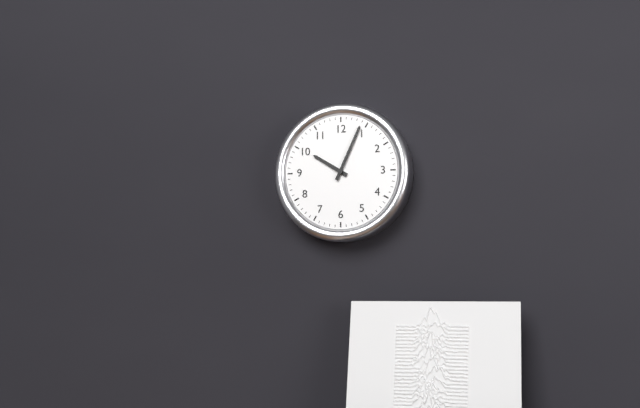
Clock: 10:04
